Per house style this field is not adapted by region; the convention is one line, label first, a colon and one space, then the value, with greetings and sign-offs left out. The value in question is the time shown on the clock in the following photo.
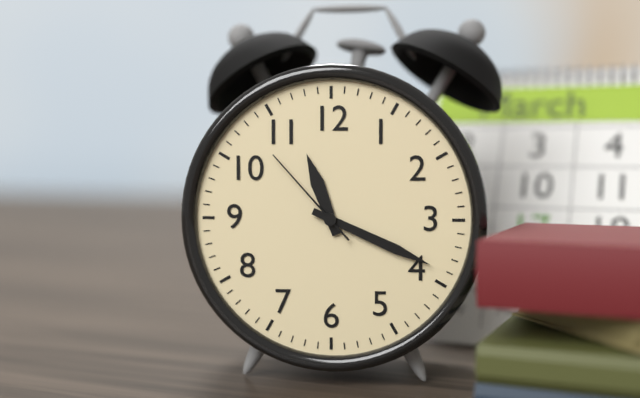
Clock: 11:19:53
